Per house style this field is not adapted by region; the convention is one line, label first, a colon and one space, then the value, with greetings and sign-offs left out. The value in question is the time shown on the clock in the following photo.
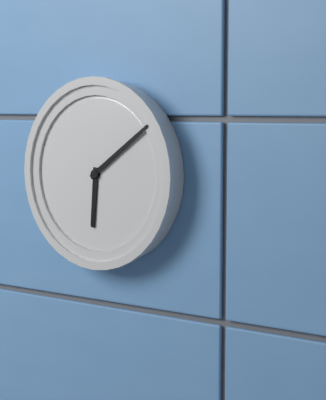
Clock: 6:09
